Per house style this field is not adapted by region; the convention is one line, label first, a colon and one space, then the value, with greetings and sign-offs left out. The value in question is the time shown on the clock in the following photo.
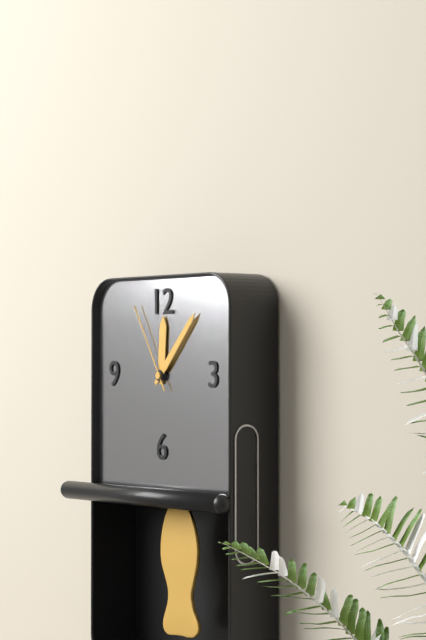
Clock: 12:07:55
